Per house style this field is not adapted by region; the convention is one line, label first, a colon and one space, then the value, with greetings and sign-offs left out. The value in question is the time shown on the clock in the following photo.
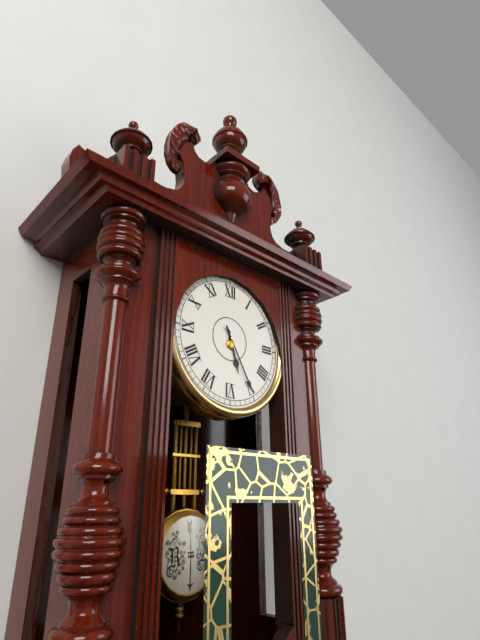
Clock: 5:25
